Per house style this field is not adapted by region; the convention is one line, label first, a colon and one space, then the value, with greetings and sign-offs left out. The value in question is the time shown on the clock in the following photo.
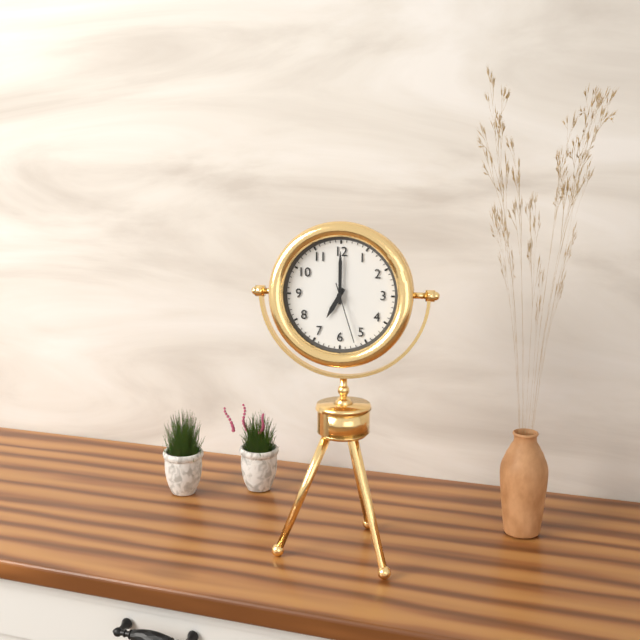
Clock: 7:00:27
